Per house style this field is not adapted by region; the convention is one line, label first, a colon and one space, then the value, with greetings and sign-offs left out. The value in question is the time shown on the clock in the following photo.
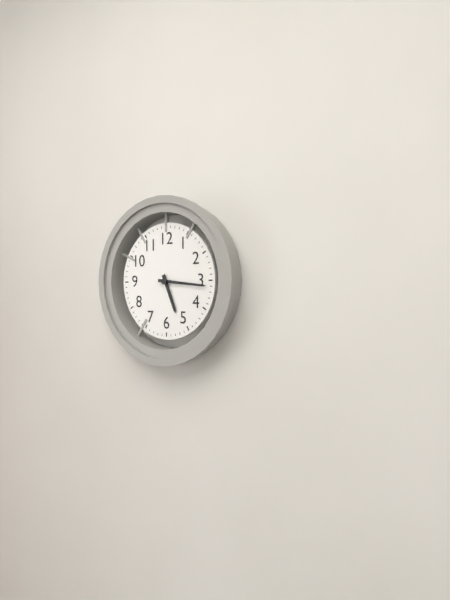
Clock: 5:16
